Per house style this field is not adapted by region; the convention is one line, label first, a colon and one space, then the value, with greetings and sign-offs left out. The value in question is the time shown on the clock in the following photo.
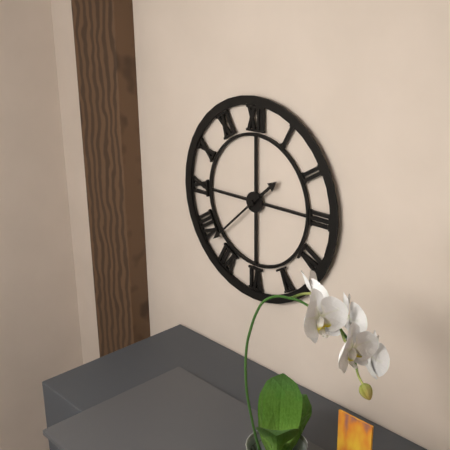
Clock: 1:38
